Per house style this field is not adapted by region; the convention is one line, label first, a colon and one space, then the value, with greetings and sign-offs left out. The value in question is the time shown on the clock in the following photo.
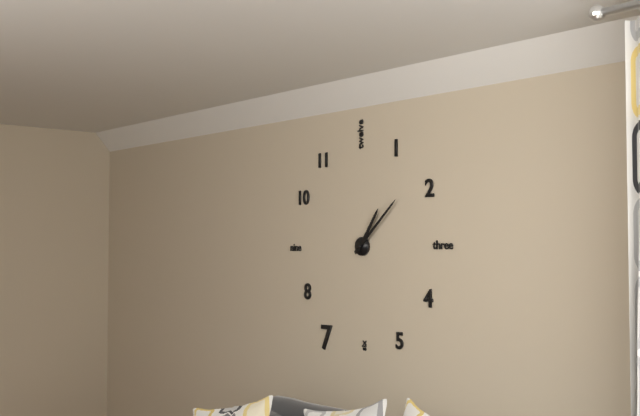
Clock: 1:08
